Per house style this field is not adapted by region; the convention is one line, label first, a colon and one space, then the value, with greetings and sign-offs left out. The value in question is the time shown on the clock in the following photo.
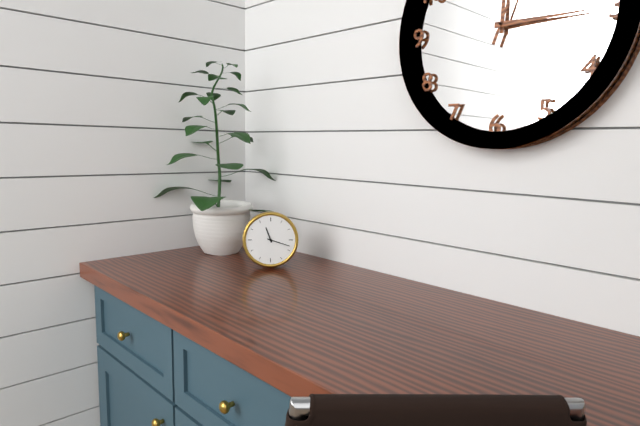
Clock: 11:18
